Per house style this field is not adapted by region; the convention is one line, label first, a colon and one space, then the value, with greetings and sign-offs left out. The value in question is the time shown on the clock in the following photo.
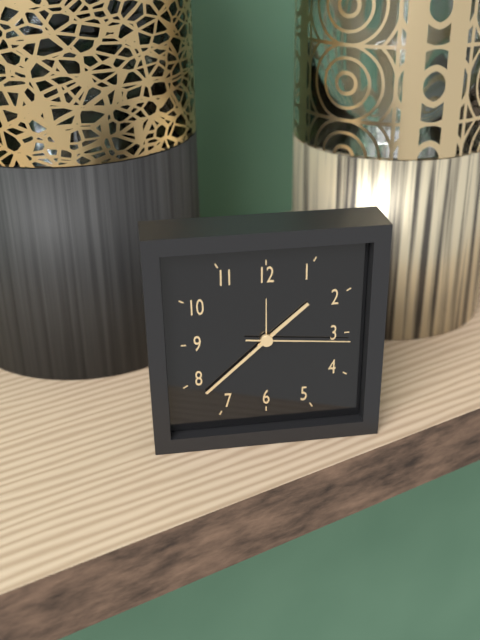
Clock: 1:38:16
